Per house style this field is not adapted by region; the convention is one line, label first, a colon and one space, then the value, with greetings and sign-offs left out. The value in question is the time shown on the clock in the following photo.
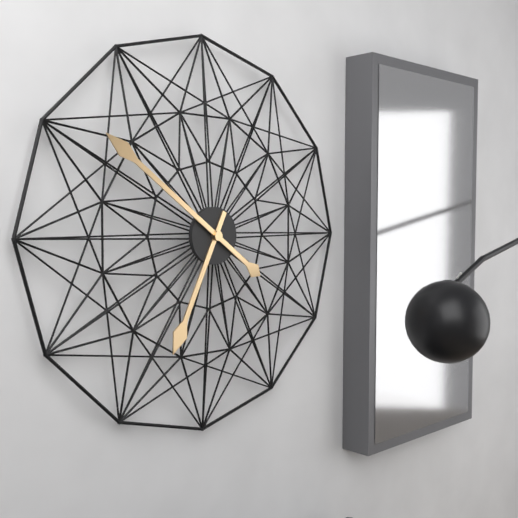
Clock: 6:51
